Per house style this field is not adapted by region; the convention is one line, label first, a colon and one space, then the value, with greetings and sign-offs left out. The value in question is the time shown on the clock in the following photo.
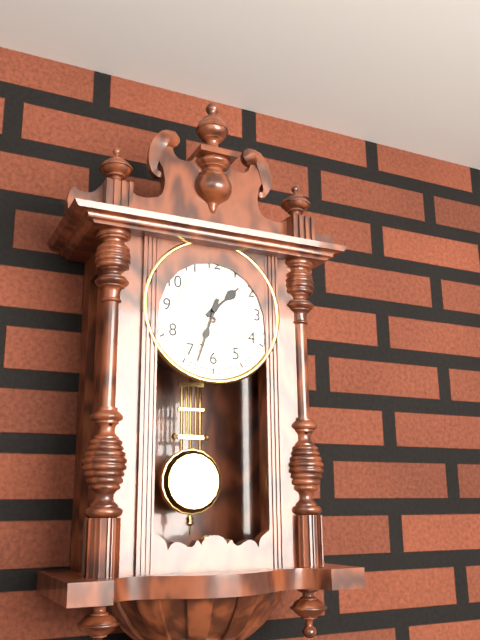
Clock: 1:33
